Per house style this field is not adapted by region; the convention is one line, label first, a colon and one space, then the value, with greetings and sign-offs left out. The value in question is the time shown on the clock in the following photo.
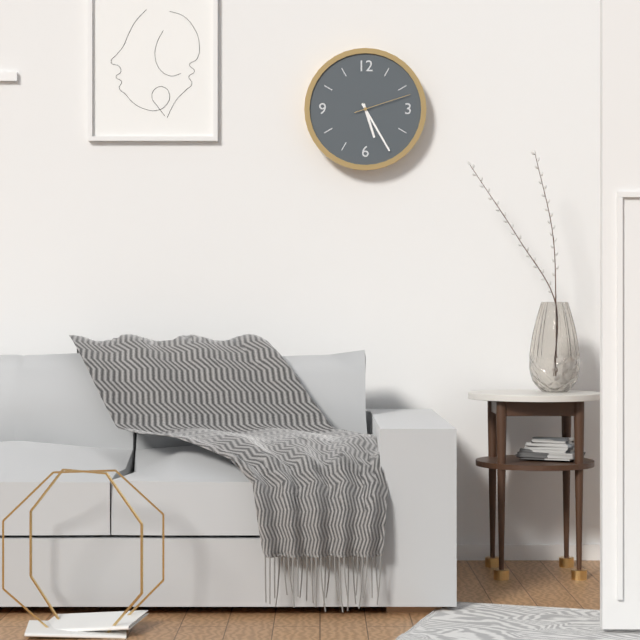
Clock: 5:25:12
